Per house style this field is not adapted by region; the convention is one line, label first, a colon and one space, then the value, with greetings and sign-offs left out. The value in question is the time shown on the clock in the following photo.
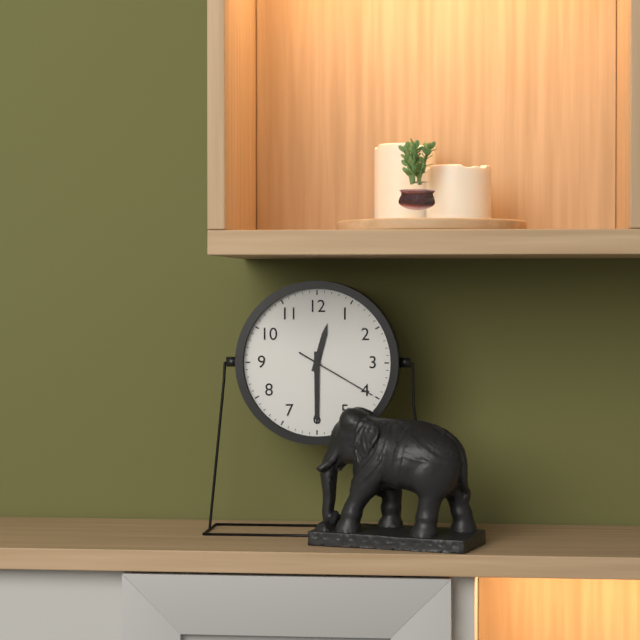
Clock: 12:30:20
